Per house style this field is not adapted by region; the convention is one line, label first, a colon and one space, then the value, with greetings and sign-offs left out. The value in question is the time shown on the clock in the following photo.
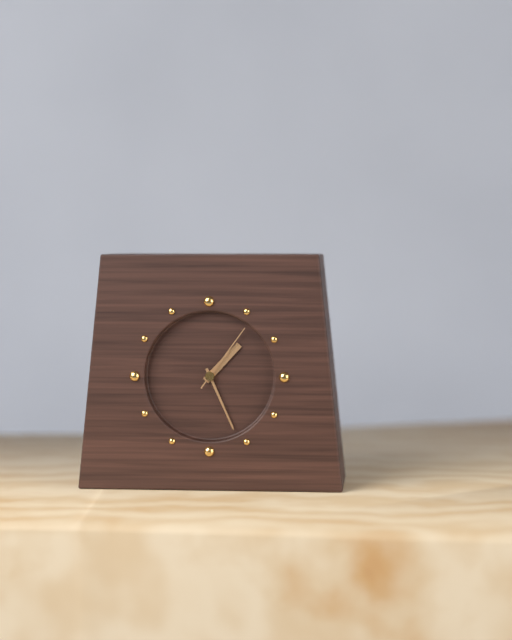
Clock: 1:26:06
